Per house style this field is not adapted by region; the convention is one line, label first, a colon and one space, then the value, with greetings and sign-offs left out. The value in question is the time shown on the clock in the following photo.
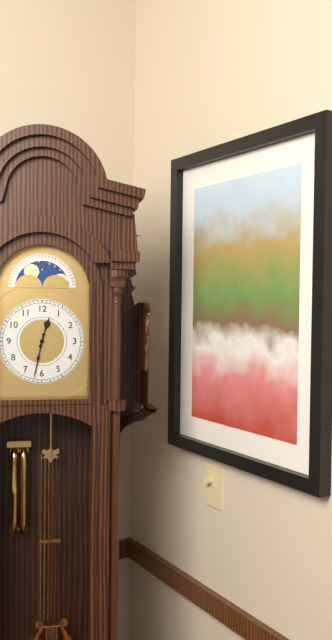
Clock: 12:32
